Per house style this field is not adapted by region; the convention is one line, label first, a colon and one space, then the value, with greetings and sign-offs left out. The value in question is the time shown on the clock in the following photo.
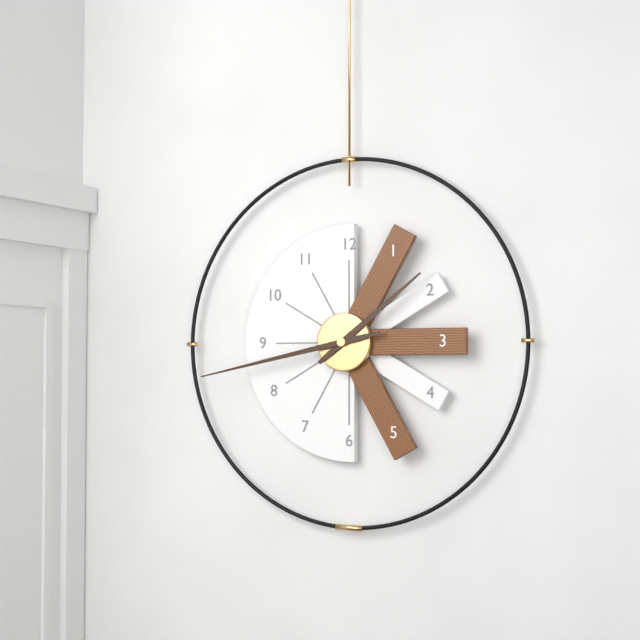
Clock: 1:43
